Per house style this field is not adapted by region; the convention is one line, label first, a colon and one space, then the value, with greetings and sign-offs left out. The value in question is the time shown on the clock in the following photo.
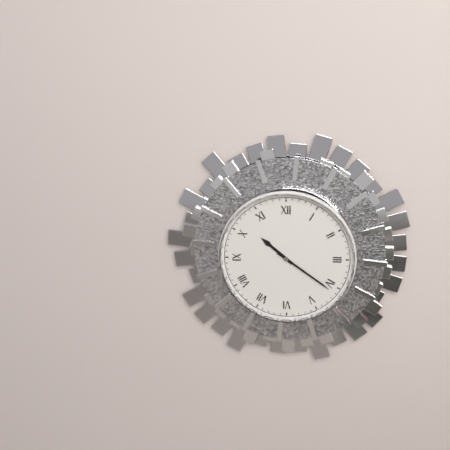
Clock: 10:21
